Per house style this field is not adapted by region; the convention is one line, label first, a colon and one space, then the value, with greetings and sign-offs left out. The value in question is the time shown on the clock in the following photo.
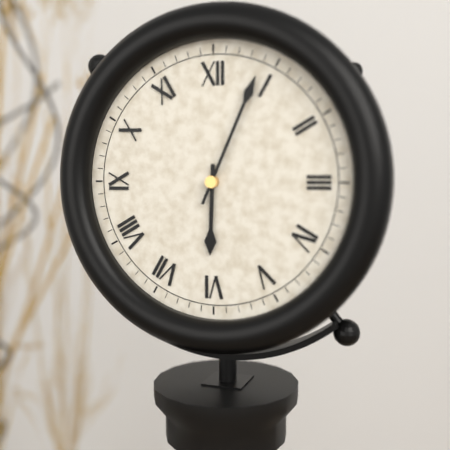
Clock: 6:04
